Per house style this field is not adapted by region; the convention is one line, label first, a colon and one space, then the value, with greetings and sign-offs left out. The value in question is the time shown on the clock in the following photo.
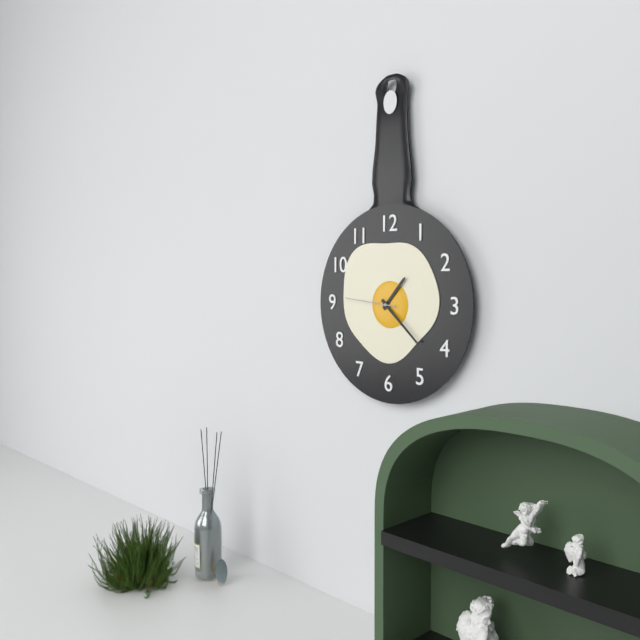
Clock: 1:22:46
